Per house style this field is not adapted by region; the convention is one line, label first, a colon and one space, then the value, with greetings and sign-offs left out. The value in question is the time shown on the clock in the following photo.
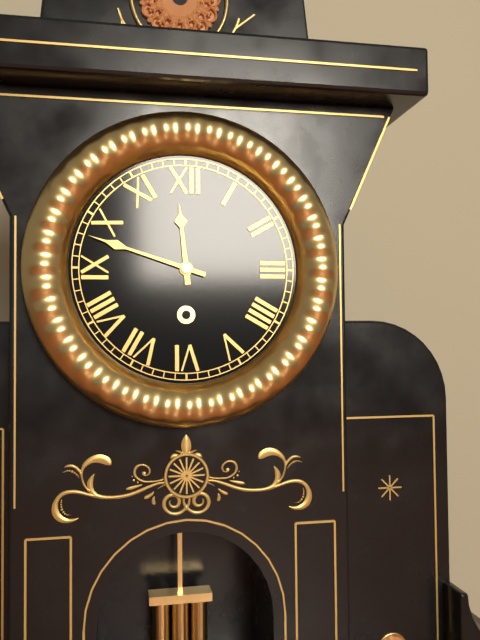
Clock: 11:48
